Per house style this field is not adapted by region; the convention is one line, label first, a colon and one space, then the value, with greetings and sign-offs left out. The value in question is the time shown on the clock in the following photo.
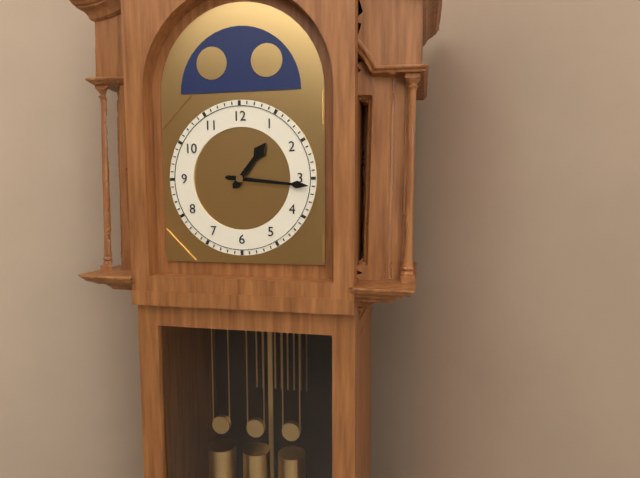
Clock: 1:16
